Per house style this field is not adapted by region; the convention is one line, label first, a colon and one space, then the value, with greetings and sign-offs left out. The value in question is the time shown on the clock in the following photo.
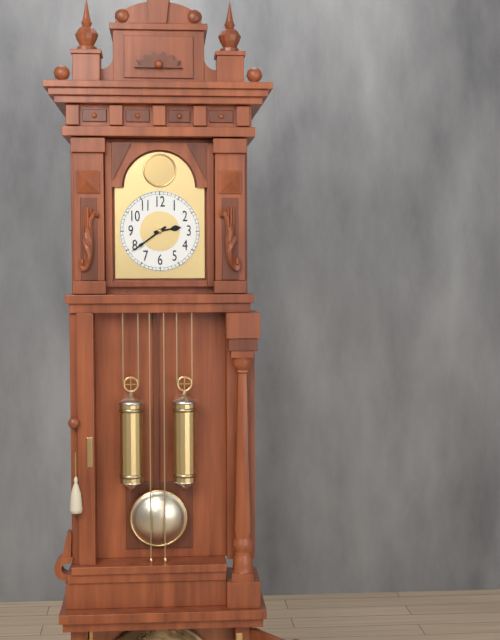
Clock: 2:39
